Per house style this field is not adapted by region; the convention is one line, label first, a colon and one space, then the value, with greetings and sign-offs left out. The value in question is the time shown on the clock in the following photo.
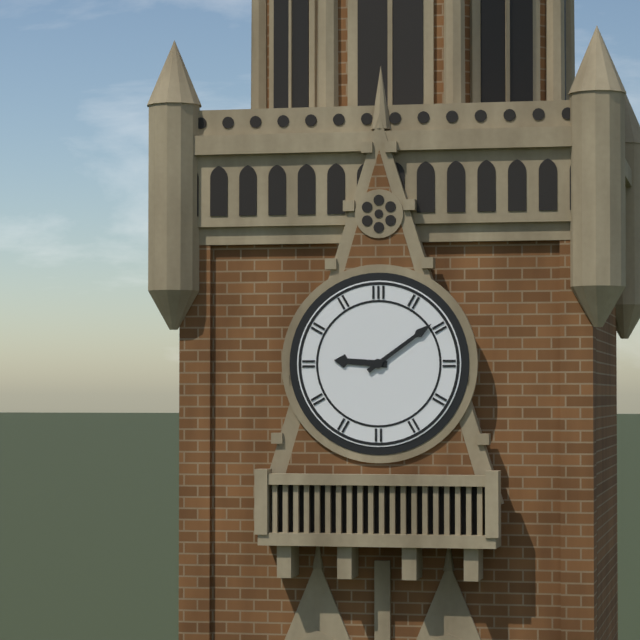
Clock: 9:09
